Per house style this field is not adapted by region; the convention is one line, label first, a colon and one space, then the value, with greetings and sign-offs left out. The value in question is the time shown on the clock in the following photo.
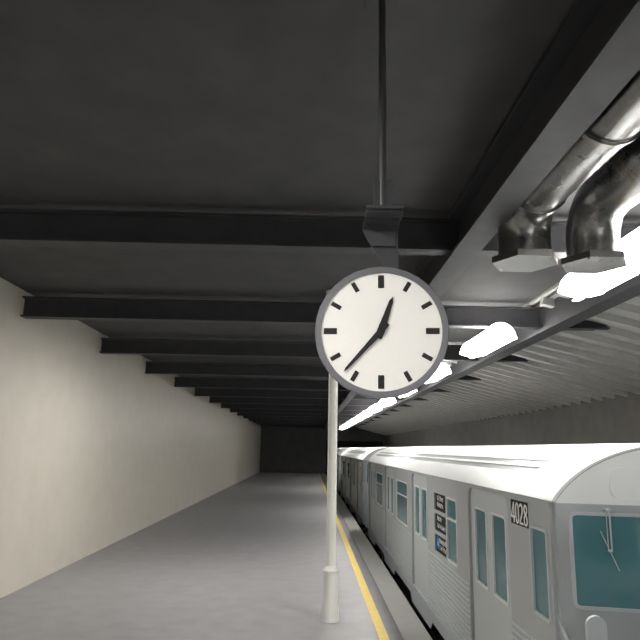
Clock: 12:37
